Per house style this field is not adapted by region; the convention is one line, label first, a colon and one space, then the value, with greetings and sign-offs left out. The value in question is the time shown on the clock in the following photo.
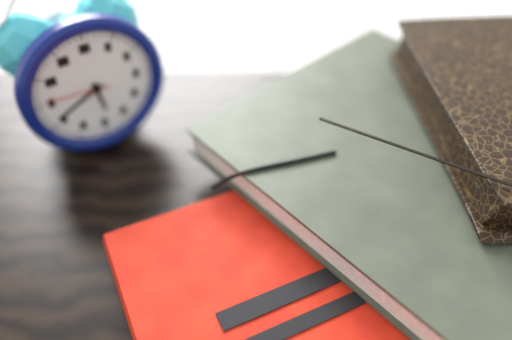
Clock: 5:41:46
